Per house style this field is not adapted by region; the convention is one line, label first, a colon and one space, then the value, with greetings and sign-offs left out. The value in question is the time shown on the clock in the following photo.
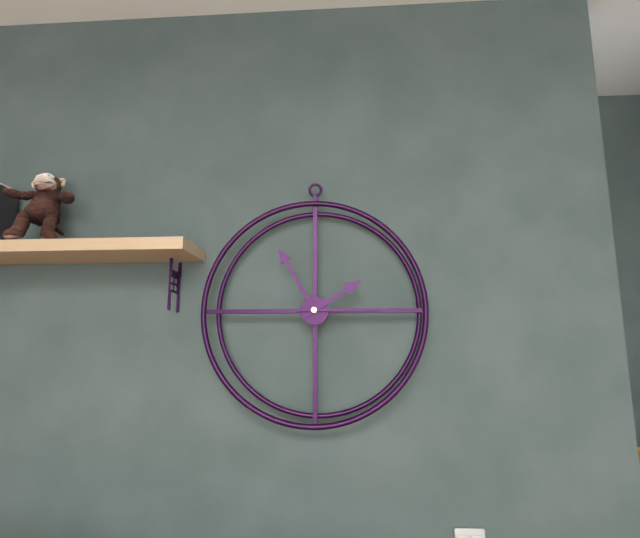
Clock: 1:55:15
